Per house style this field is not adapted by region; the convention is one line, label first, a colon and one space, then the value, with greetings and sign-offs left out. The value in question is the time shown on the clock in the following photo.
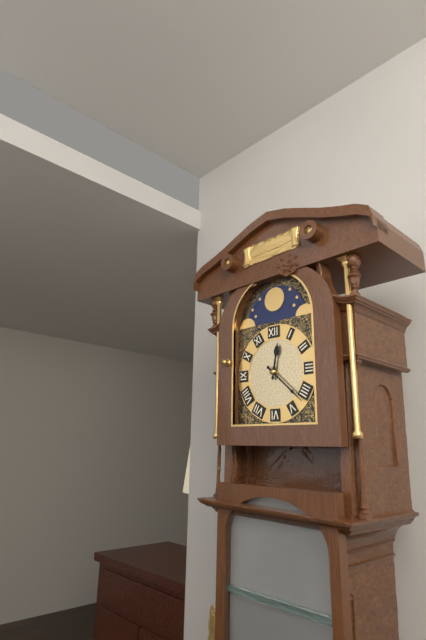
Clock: 12:22
